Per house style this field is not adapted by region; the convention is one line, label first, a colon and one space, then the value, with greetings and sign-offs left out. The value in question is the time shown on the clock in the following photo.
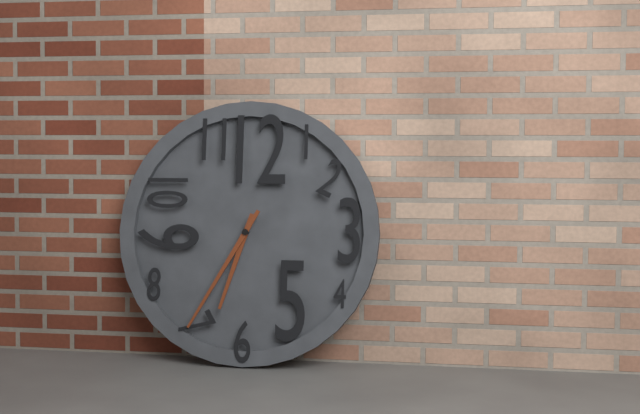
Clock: 6:35
